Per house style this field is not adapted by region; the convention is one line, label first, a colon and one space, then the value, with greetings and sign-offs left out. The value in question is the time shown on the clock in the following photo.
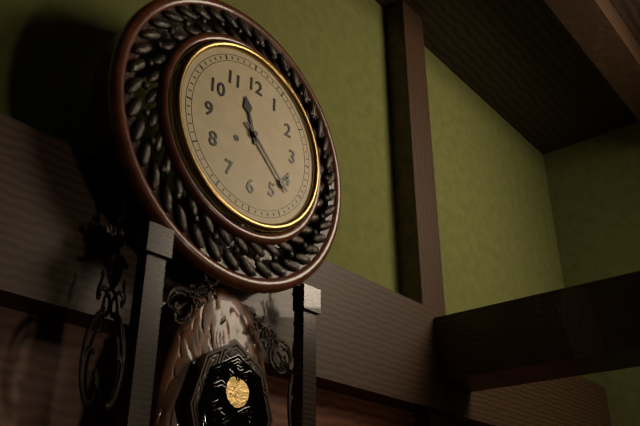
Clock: 11:22
